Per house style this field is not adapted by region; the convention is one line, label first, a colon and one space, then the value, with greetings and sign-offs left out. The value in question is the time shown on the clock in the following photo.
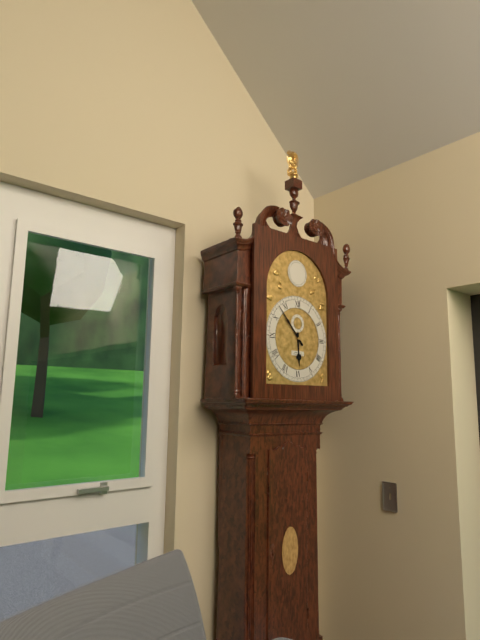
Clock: 5:53
